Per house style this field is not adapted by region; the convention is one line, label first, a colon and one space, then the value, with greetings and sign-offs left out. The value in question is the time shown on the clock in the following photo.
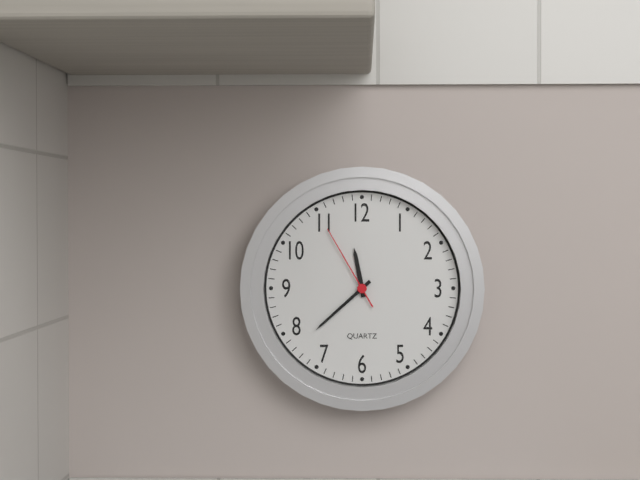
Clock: 11:38:55
